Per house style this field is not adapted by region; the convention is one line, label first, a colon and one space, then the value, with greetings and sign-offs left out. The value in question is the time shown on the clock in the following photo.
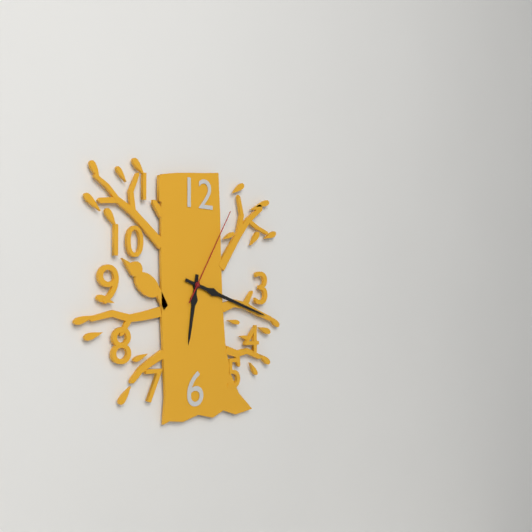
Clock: 6:18:05
